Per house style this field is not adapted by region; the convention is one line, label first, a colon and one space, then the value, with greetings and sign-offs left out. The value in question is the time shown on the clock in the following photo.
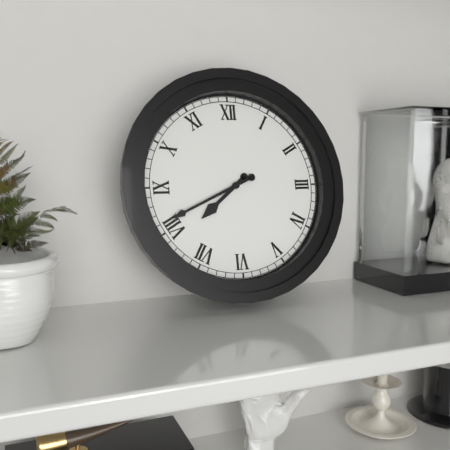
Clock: 7:41
